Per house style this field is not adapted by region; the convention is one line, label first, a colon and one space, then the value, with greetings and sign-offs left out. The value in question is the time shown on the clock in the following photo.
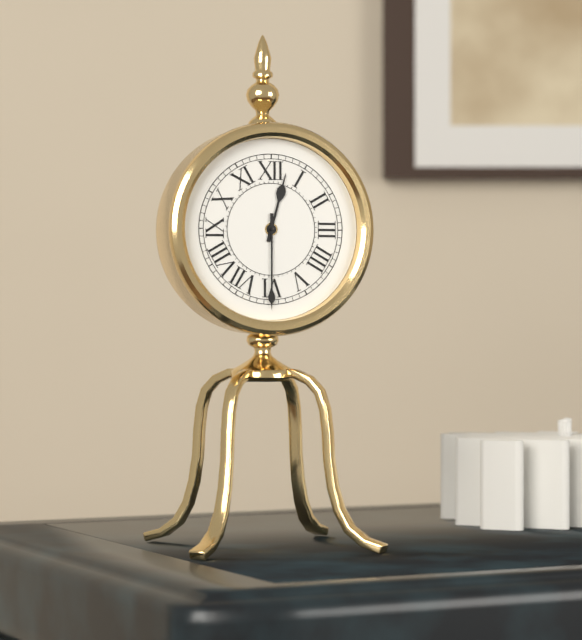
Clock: 12:30
